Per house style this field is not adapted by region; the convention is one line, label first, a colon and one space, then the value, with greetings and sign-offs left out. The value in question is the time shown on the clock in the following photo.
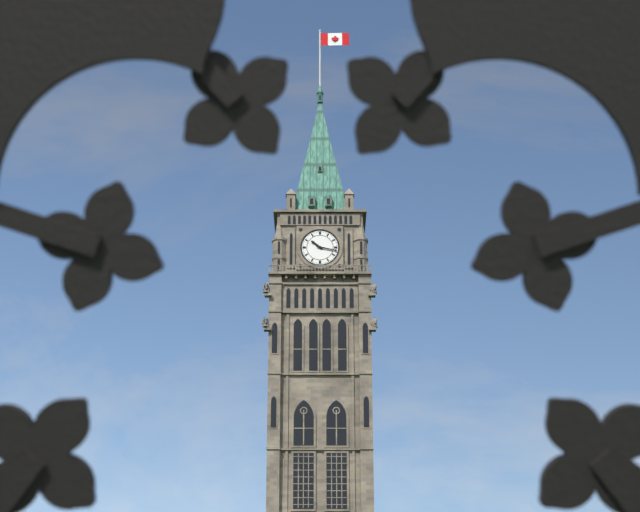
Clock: 10:17
